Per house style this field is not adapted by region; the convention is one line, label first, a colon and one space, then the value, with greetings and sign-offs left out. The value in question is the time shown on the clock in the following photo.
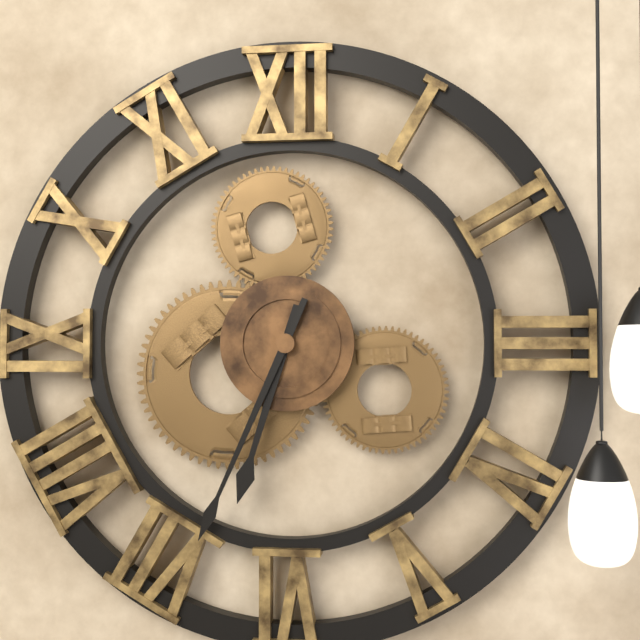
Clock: 6:34
